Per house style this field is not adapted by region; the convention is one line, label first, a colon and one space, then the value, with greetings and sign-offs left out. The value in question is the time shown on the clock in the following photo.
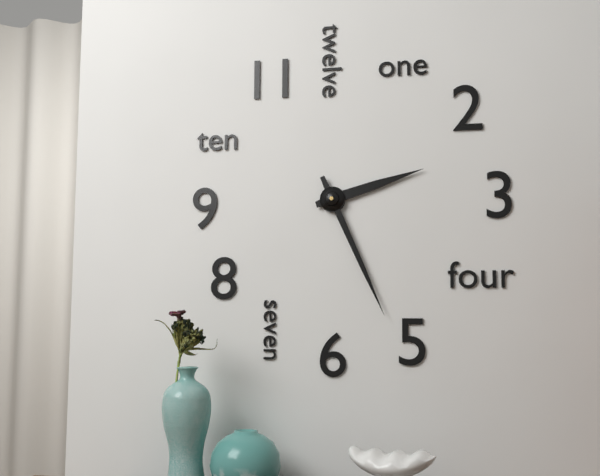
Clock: 2:26
